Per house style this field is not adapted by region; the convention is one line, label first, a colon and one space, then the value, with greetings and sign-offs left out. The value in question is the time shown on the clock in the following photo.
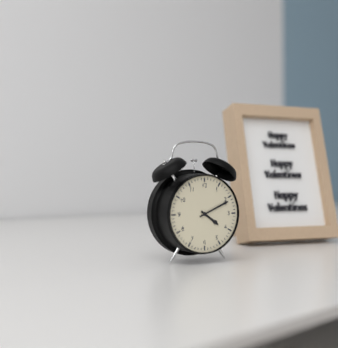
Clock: 4:11
